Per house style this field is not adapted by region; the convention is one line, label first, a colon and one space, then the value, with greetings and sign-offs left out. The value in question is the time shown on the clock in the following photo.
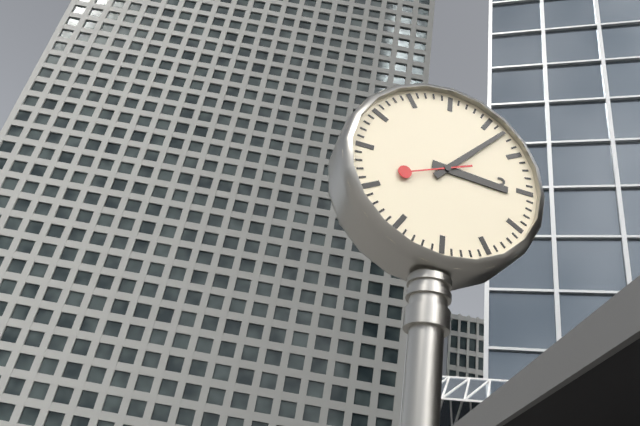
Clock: 3:07:41
